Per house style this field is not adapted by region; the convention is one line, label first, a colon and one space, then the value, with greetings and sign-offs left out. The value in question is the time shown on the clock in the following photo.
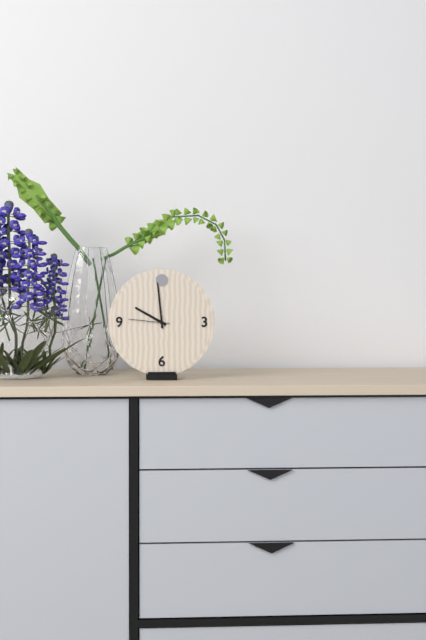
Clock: 9:59
